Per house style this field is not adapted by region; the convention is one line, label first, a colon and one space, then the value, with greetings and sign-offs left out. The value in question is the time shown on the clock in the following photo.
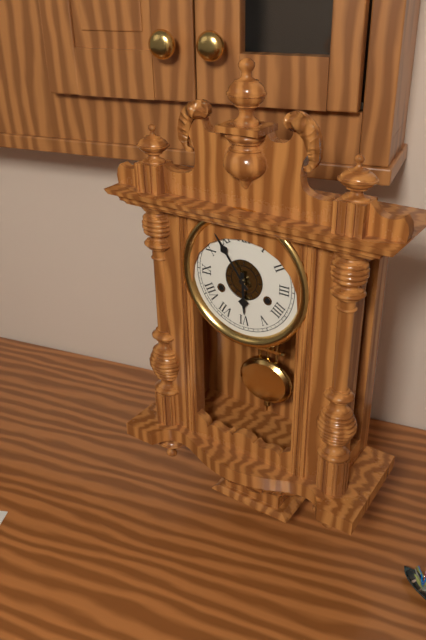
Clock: 5:54
